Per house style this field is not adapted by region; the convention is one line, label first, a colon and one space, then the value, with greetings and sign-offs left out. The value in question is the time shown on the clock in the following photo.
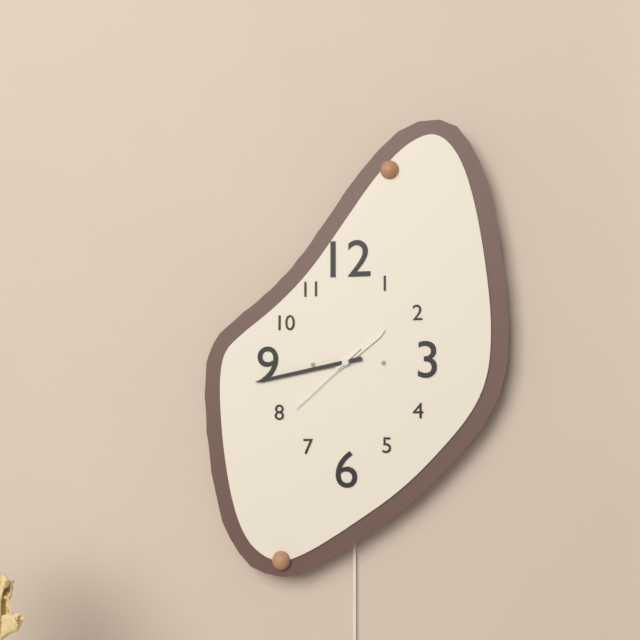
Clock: 1:43:38
